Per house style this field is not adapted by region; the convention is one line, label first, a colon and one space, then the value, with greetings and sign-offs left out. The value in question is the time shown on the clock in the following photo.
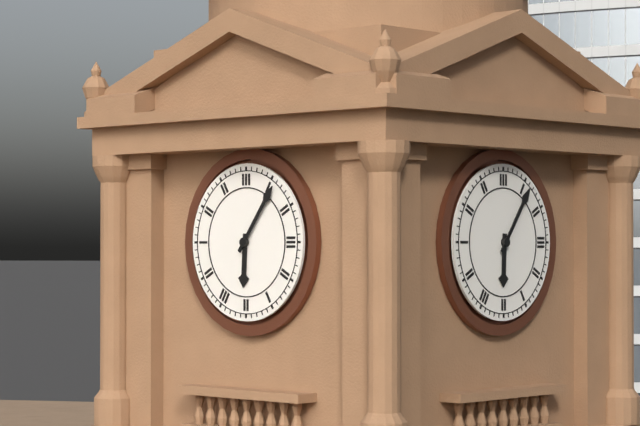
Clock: 6:06
